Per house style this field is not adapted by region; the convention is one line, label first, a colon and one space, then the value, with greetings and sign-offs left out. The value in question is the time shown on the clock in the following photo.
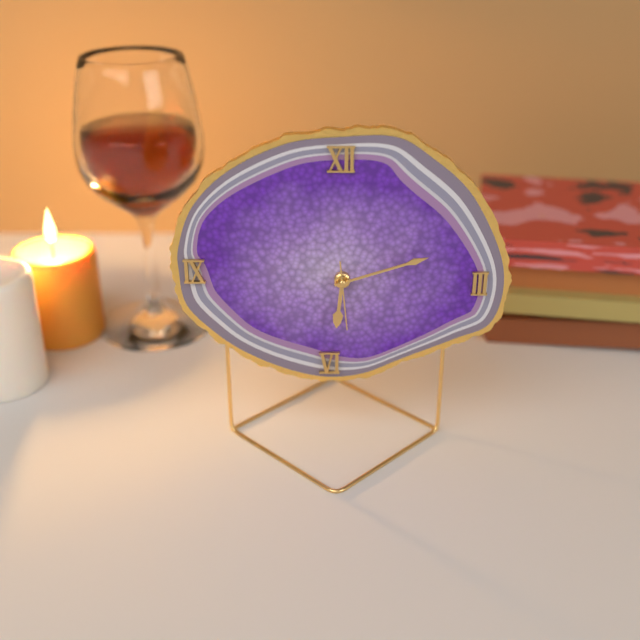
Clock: 6:12:29
